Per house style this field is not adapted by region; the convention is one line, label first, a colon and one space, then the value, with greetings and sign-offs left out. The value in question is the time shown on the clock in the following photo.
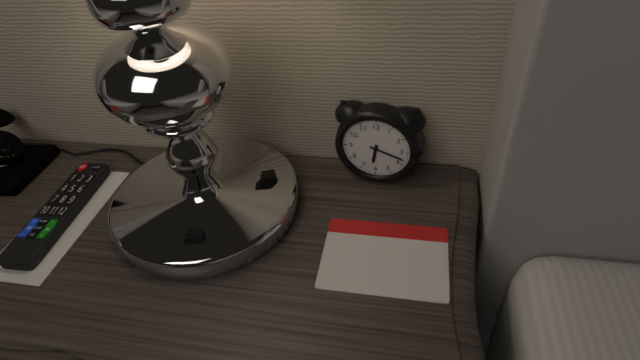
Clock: 6:18
